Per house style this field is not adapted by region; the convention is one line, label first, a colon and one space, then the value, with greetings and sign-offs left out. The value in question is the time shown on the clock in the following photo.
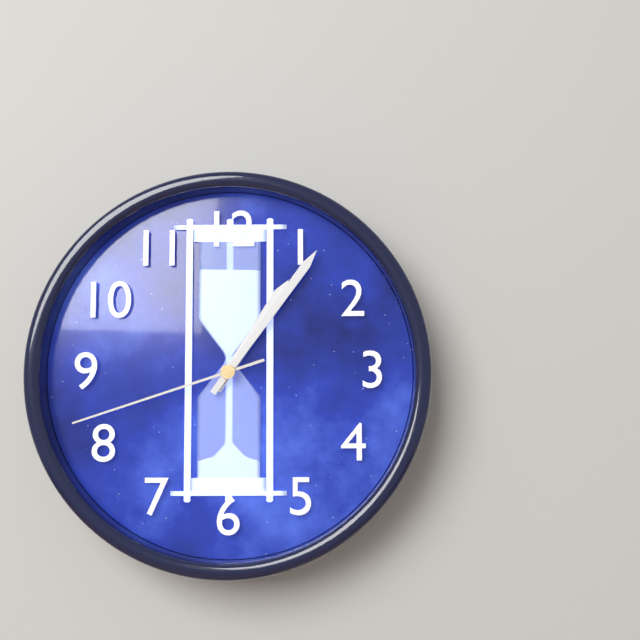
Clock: 1:06:42
